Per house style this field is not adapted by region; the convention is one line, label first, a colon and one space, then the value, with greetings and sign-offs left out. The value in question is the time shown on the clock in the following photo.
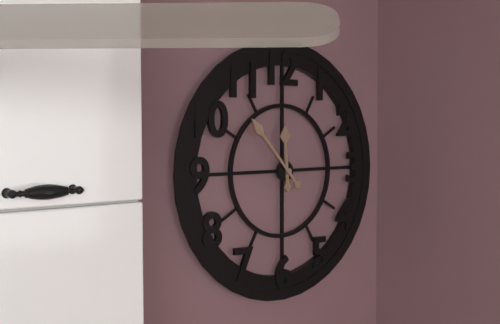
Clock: 11:53
